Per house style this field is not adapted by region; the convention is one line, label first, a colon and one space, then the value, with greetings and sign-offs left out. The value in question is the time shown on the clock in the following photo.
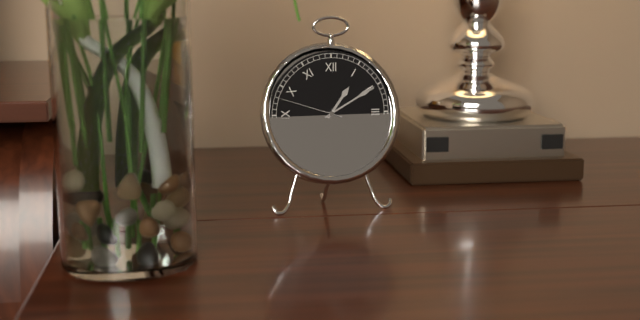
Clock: 1:10:48
